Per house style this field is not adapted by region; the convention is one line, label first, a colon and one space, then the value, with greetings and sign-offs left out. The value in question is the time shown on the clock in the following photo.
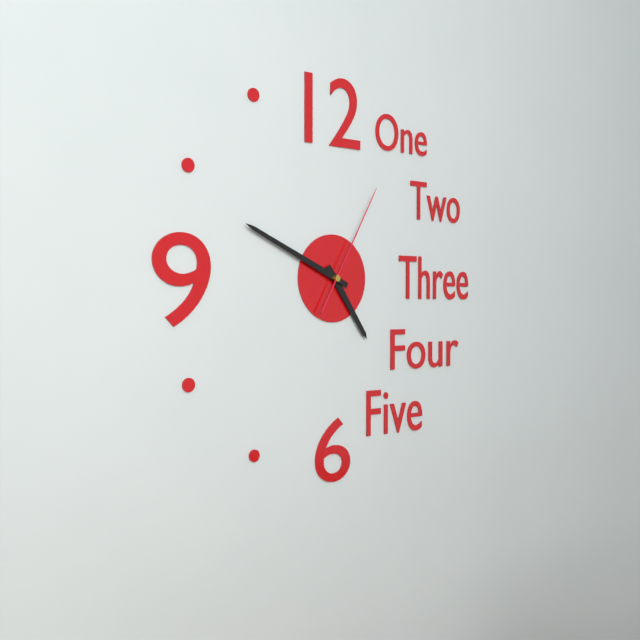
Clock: 4:49:05
